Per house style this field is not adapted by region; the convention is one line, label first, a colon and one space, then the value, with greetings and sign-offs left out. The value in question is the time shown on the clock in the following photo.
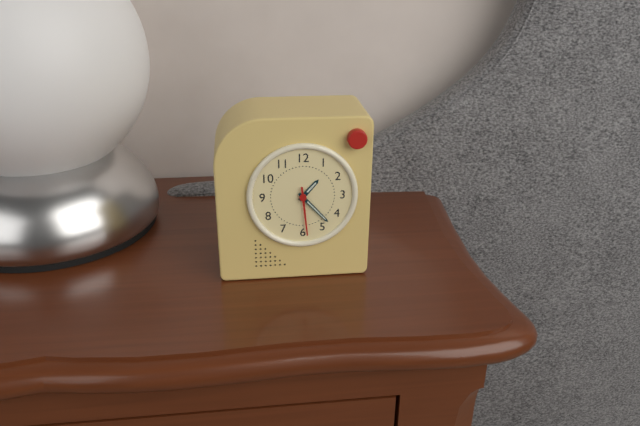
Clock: 1:23
